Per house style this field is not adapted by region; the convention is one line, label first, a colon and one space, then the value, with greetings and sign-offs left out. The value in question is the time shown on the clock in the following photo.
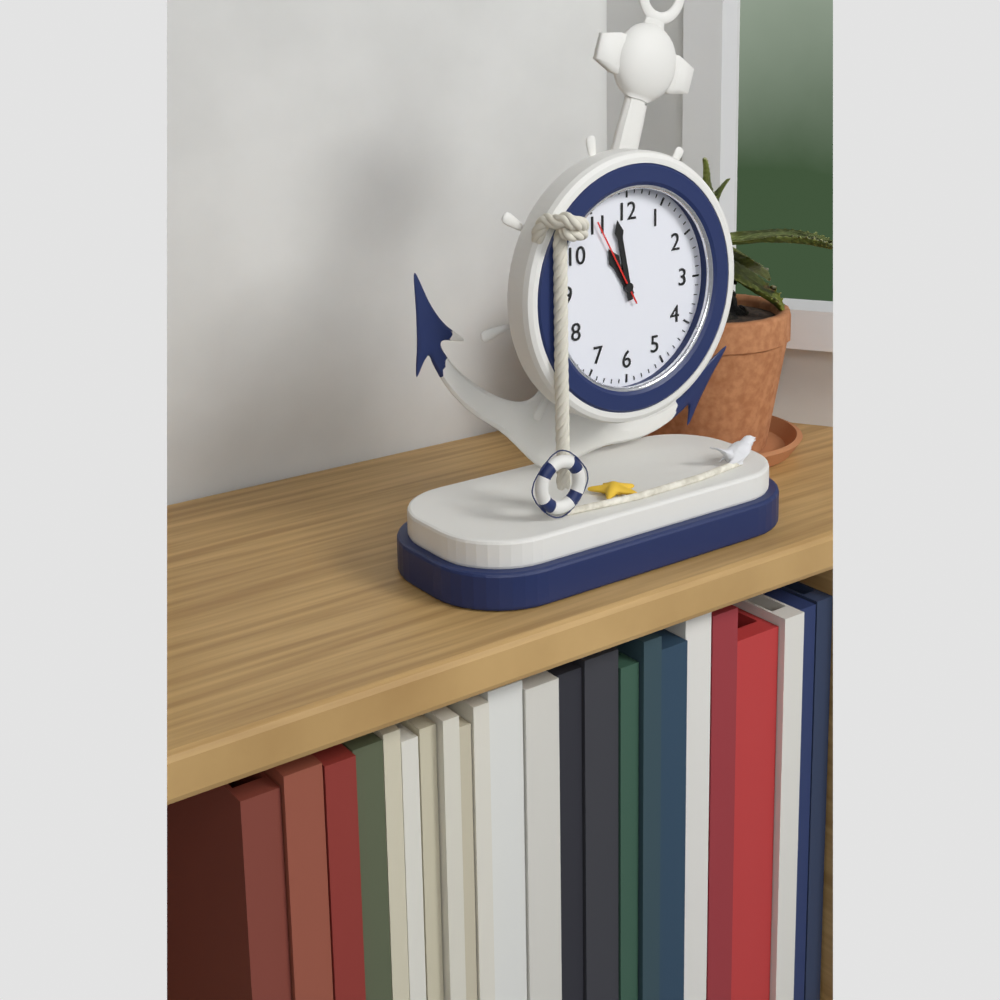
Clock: 10:58:55
